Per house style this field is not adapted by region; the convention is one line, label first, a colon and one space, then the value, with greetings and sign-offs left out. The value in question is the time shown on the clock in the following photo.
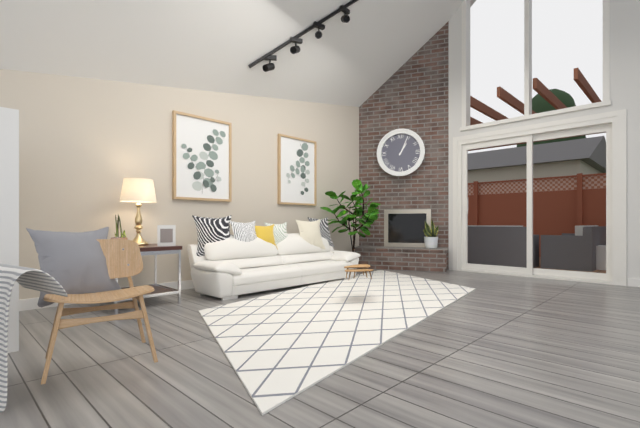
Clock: 1:04
